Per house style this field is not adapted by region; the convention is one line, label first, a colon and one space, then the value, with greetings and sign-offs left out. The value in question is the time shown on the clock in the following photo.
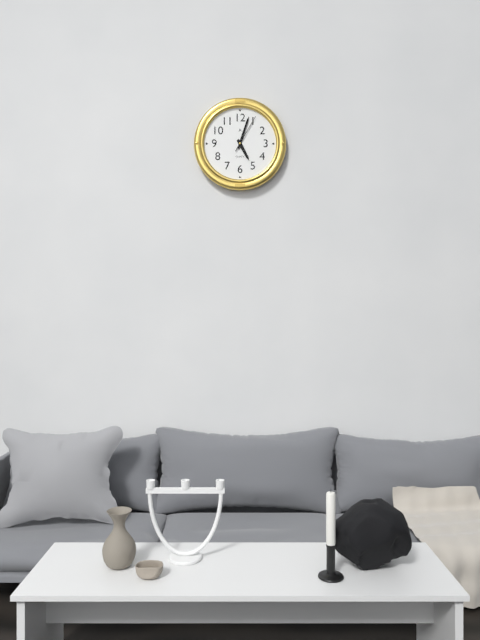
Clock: 5:03
